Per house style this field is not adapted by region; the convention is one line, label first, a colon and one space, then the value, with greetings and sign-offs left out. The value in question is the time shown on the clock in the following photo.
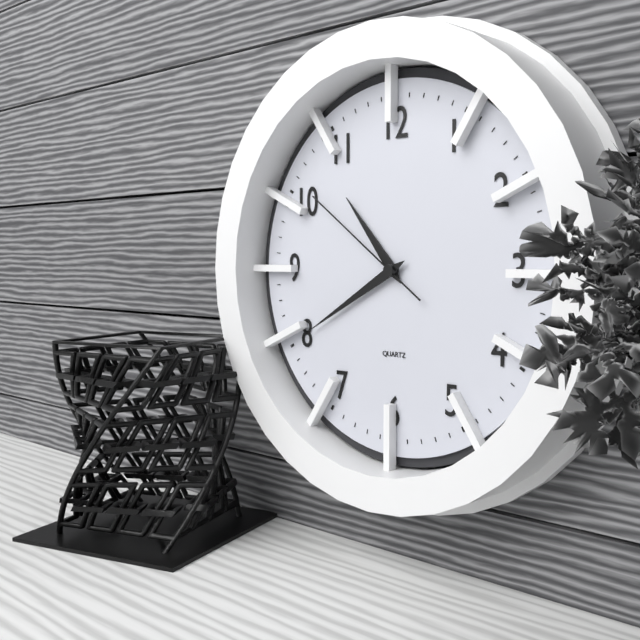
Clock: 10:40:51
